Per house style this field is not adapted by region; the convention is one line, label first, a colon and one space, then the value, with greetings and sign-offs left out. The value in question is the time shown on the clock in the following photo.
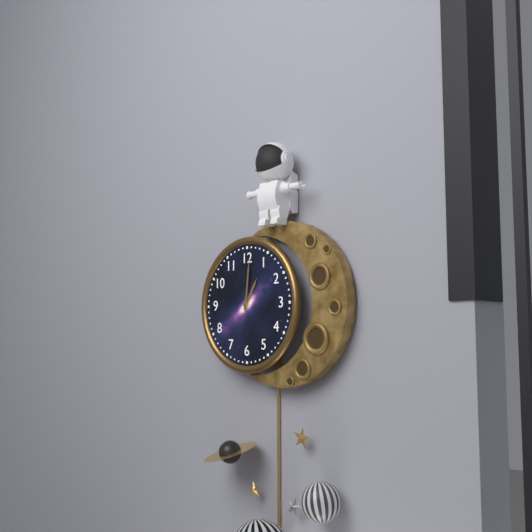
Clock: 1:01
